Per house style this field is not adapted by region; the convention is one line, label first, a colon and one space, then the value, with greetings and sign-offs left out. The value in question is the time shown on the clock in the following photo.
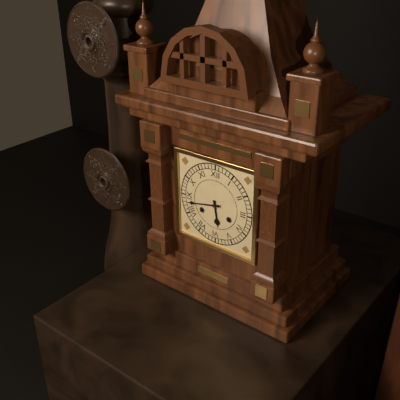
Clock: 5:43
